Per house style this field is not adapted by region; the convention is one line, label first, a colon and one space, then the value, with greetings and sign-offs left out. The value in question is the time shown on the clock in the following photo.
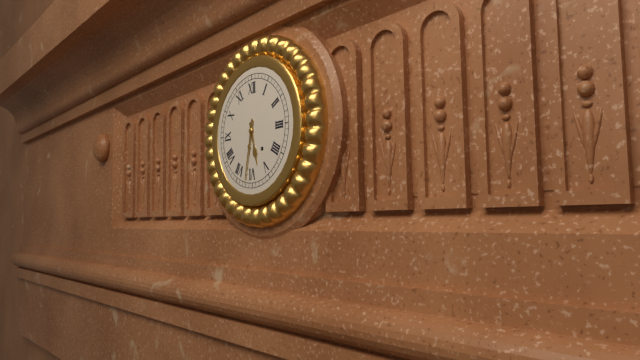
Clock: 5:32
